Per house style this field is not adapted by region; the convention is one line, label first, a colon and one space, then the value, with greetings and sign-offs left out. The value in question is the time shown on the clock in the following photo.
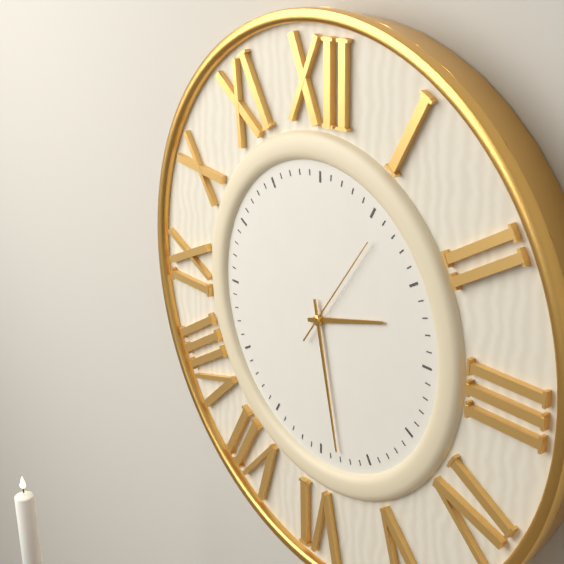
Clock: 2:28:06
